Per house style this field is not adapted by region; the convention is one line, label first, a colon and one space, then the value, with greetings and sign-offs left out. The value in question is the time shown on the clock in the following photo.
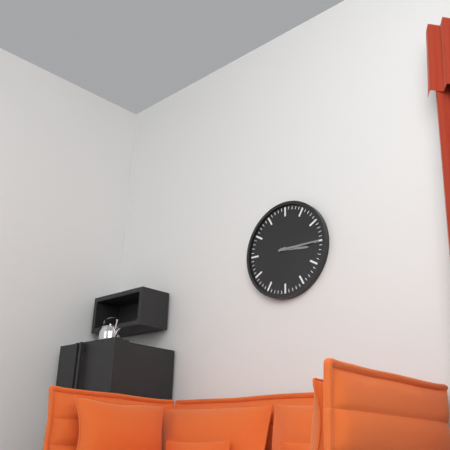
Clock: 3:15
